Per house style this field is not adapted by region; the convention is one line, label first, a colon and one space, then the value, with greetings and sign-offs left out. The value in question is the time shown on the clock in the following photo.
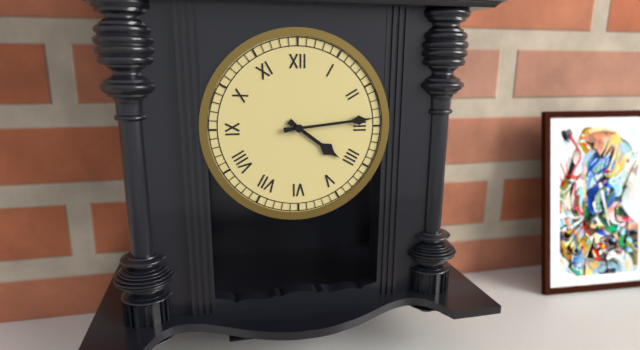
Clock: 4:14
